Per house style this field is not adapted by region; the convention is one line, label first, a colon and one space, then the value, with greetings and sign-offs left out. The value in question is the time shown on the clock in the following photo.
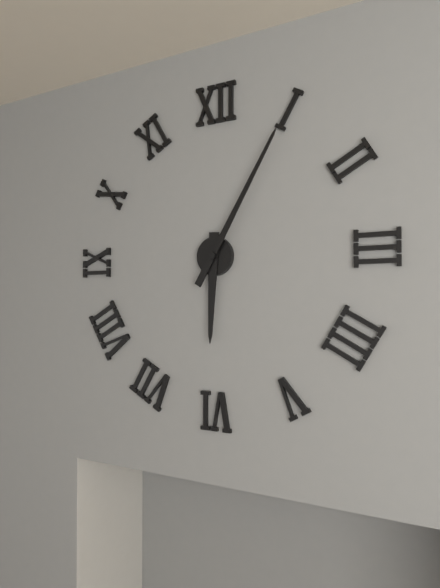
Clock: 6:05
